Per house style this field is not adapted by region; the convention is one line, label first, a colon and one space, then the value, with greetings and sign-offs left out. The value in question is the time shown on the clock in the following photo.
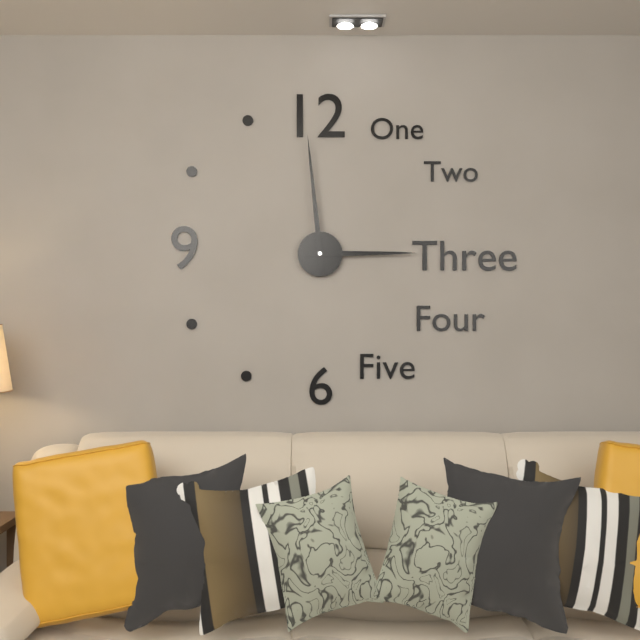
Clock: 2:59
